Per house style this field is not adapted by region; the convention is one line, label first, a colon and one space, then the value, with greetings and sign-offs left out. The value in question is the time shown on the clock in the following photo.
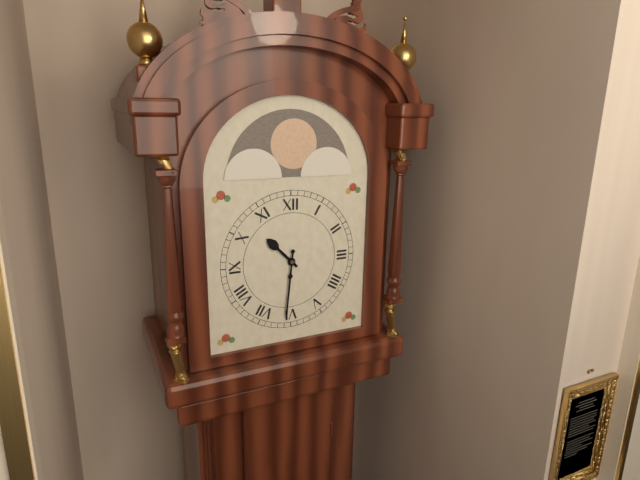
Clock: 10:31
